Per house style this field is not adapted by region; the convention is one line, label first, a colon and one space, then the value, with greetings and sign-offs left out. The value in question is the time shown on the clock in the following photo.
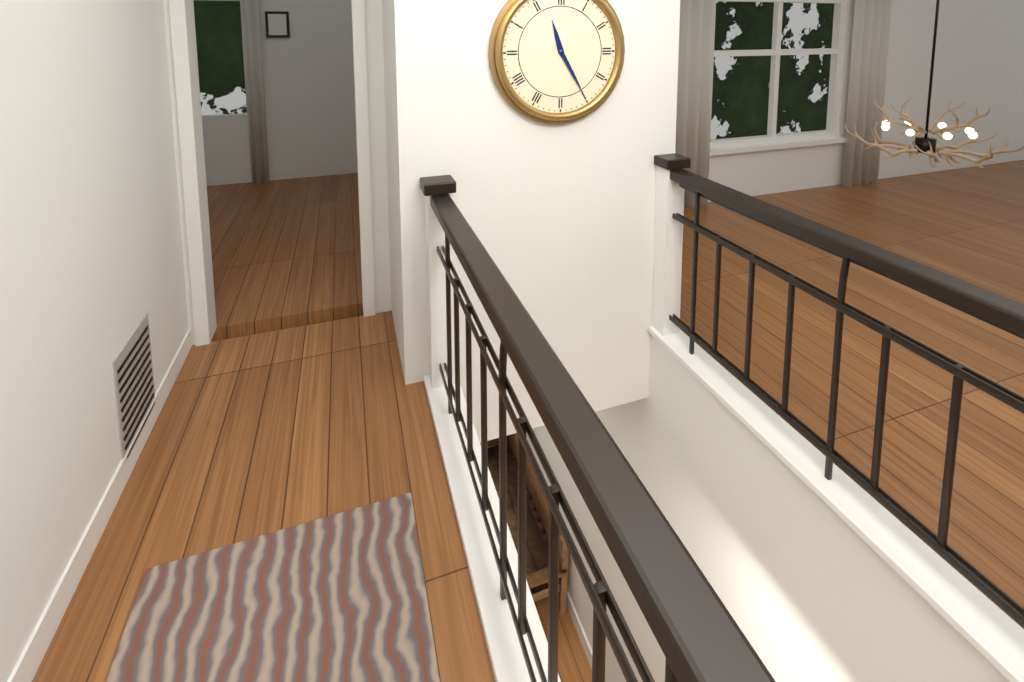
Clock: 11:25
